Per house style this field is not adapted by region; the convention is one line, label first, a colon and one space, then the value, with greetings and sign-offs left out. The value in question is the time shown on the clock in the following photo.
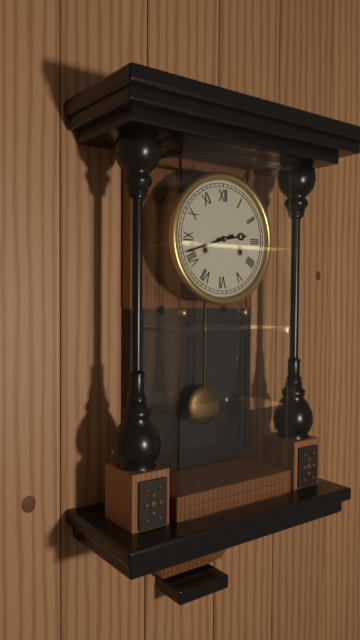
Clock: 2:42
